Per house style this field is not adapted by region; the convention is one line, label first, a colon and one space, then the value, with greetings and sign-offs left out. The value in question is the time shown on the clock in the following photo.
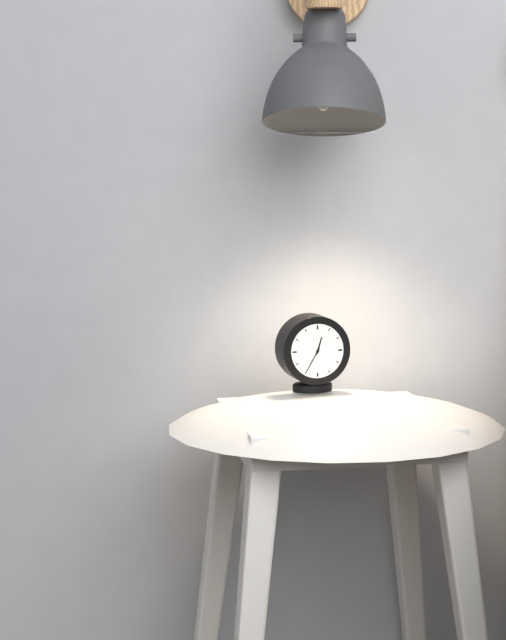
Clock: 12:35
